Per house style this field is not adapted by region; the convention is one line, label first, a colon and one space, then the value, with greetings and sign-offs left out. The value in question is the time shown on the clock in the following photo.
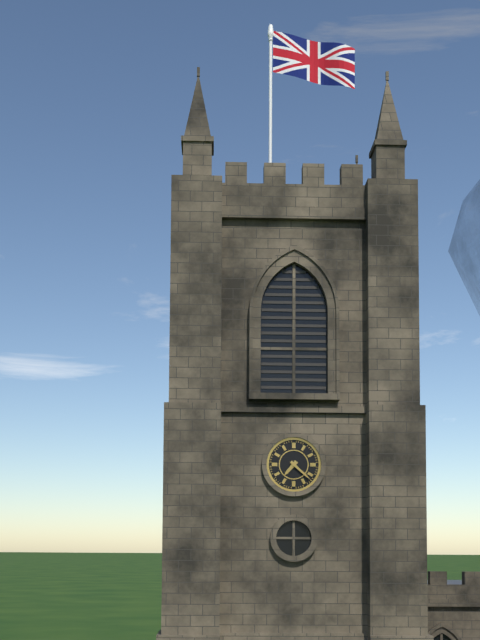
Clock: 7:22
